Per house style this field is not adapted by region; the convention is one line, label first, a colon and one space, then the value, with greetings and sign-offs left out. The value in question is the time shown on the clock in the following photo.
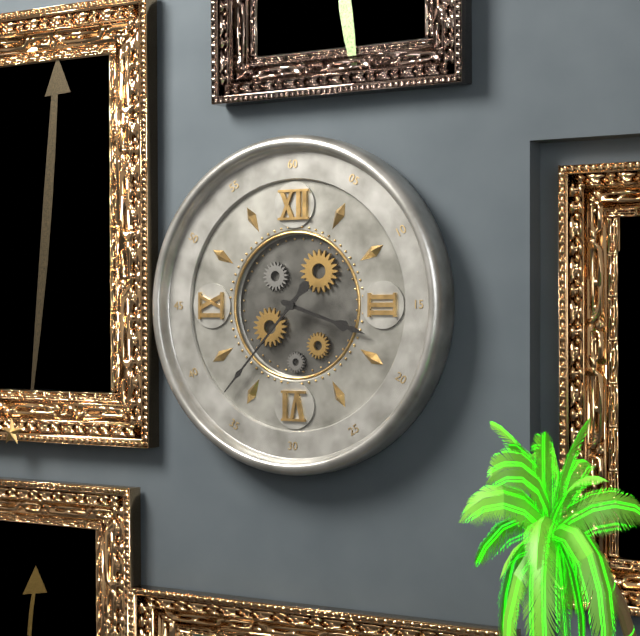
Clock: 3:37
